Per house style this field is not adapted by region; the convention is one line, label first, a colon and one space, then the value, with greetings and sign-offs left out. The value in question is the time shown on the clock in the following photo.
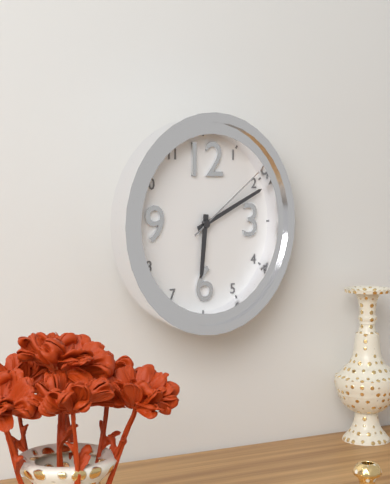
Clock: 6:11:09
